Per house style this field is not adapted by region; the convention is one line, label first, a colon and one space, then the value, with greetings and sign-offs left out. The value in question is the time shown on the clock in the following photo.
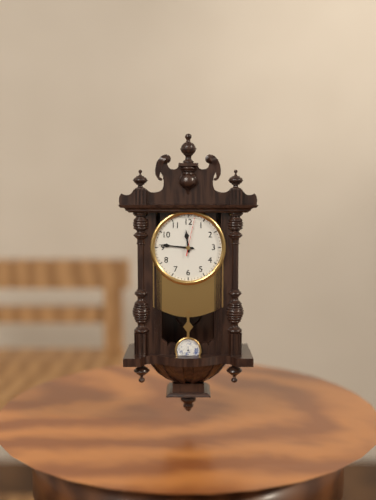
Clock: 11:46
